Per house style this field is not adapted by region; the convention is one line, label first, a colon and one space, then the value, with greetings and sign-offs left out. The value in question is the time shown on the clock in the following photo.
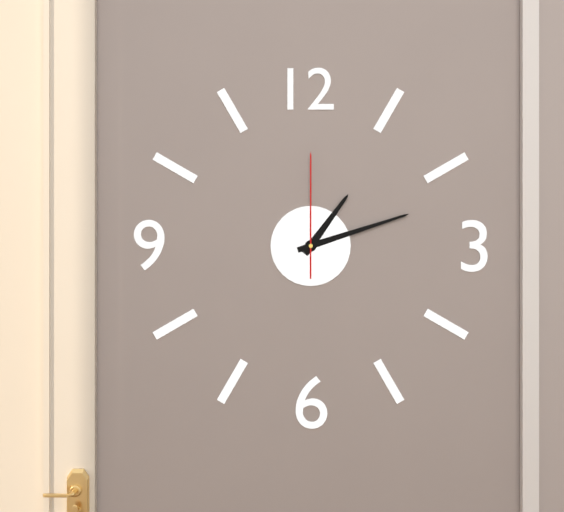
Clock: 1:12:00
